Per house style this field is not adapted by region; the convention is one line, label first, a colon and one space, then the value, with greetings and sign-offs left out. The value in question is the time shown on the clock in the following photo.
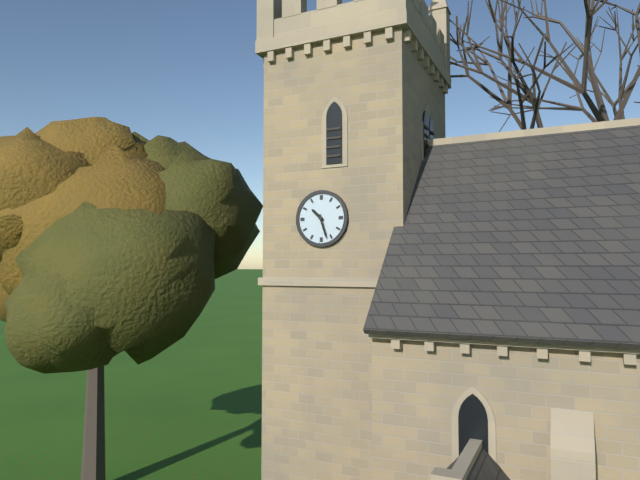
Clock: 10:27
